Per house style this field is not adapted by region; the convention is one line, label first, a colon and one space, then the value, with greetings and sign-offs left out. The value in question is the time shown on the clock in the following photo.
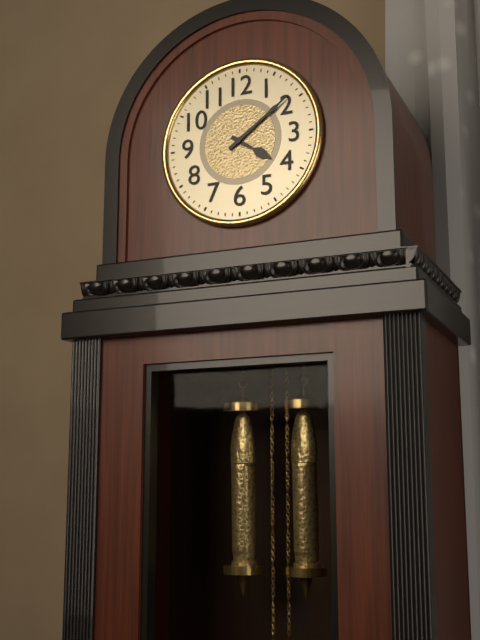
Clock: 4:09
